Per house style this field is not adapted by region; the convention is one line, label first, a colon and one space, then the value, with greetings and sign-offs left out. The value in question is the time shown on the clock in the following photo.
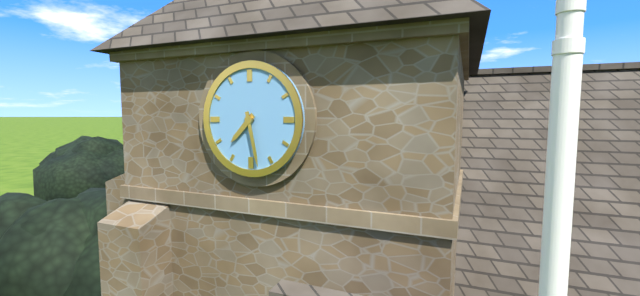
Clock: 7:28
